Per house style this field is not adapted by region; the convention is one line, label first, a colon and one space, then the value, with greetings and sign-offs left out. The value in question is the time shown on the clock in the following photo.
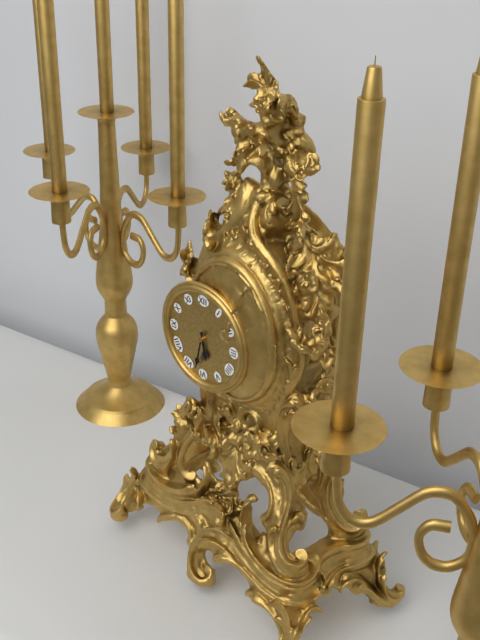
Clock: 5:32
